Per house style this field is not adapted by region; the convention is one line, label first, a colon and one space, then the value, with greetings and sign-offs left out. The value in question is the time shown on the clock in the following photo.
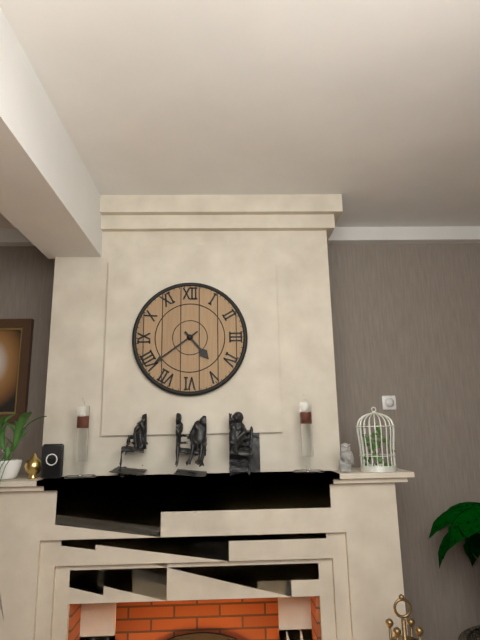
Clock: 4:39
